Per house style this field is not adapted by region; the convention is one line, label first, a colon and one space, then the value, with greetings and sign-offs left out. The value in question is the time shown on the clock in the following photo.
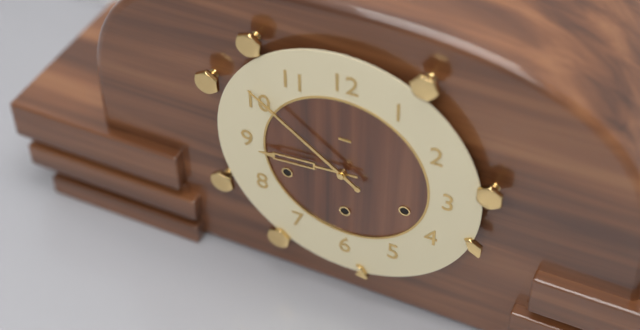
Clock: 8:51
